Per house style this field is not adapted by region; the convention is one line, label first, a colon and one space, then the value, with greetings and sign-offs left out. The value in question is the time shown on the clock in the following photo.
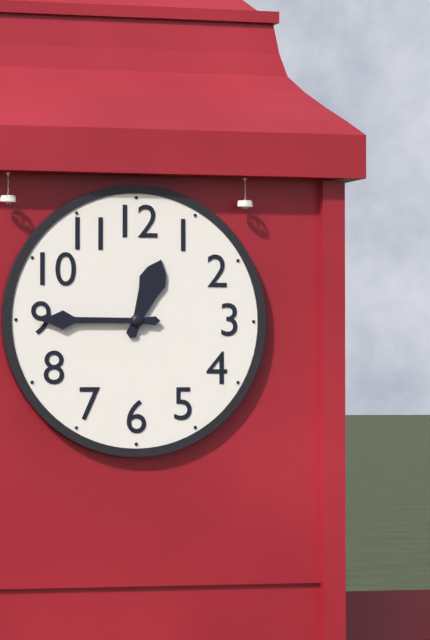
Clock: 12:45
